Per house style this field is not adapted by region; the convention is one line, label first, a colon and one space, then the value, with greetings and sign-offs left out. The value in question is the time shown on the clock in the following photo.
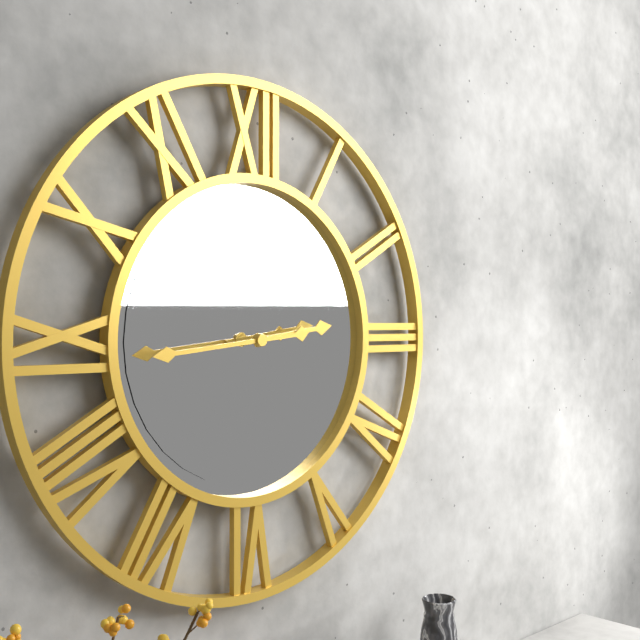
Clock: 2:44
